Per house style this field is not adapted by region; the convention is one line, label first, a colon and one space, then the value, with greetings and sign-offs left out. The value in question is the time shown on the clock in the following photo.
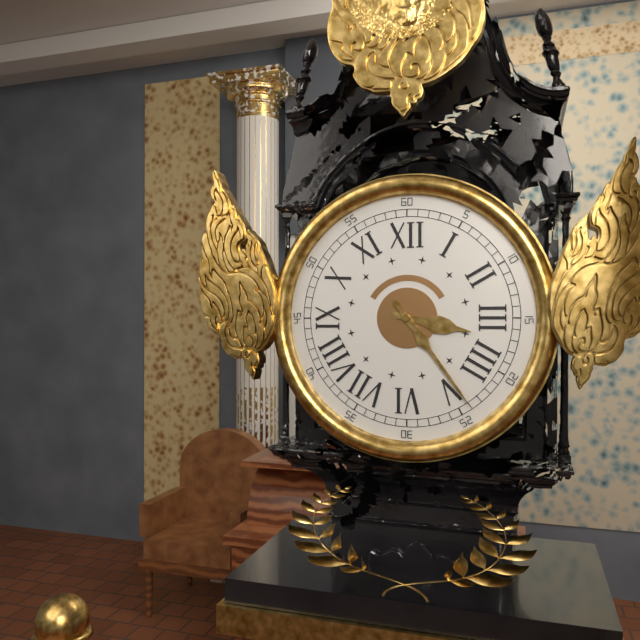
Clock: 3:24
